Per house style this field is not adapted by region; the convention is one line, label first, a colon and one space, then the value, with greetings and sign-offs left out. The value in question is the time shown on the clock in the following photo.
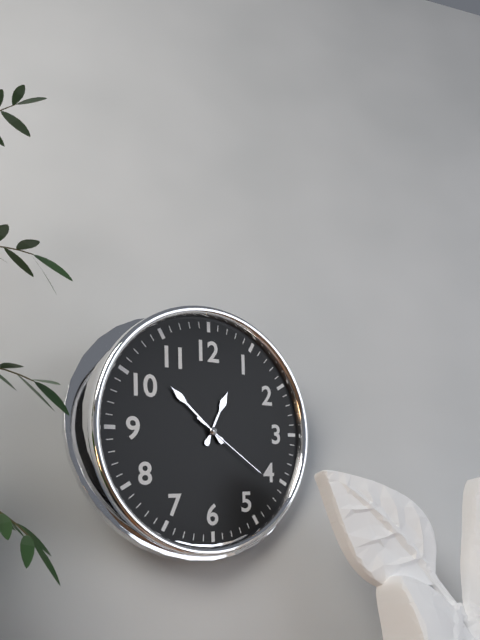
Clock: 12:52:21
